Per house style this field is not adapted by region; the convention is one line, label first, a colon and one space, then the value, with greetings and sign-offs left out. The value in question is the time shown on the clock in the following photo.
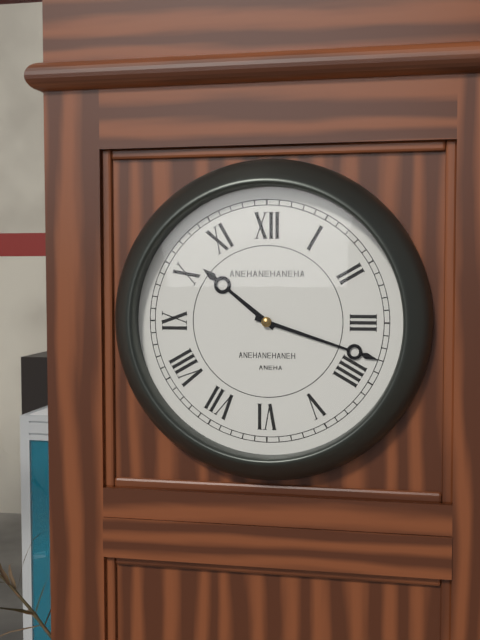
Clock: 10:18
